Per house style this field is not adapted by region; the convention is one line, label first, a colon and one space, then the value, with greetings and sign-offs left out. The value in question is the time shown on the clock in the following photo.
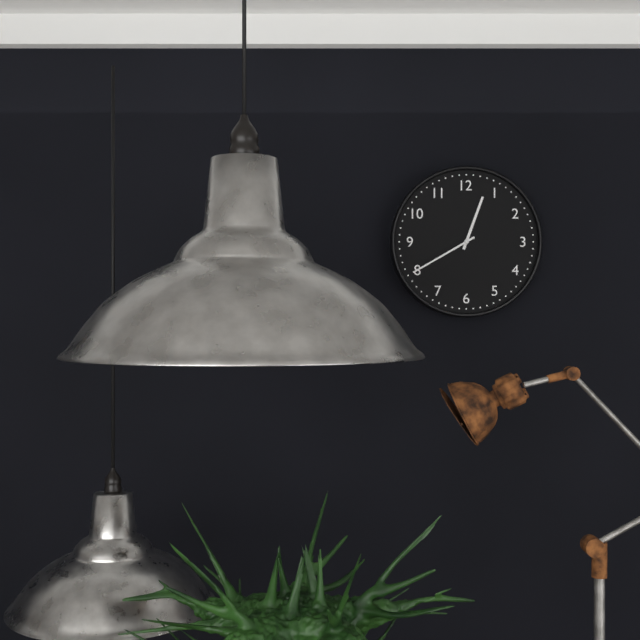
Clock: 12:40
